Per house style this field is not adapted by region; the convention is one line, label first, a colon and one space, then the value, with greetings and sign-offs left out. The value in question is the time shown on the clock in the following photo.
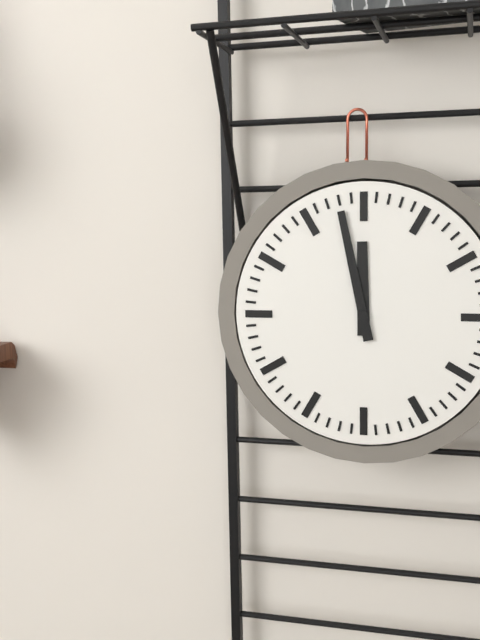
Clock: 11:58
